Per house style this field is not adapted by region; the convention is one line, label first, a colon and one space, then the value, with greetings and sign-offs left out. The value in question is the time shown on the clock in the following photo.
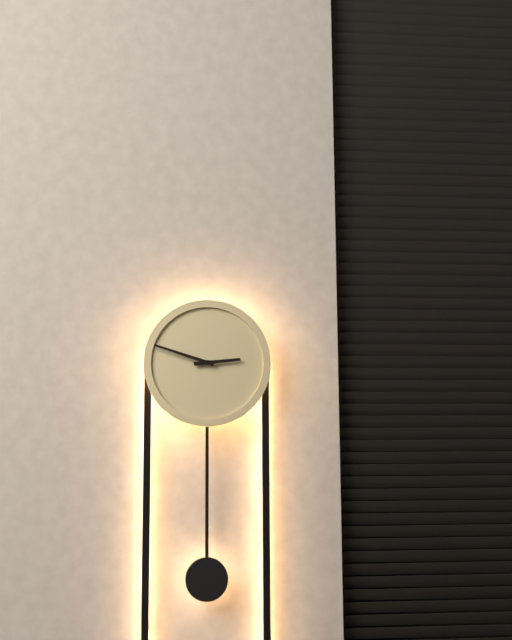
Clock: 2:48
